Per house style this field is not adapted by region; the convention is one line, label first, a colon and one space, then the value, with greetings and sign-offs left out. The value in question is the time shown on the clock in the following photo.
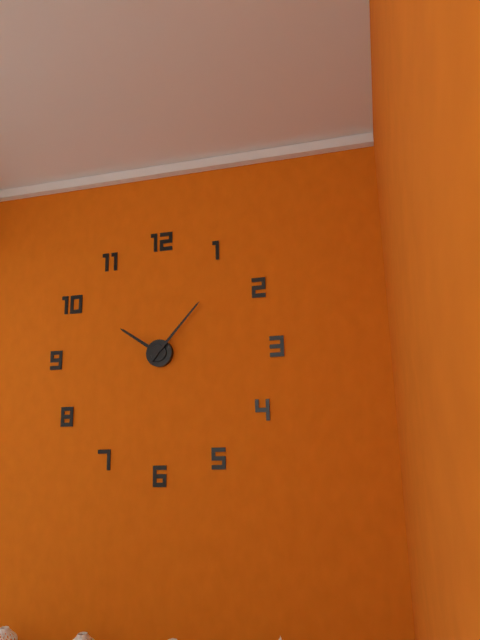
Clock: 10:07
